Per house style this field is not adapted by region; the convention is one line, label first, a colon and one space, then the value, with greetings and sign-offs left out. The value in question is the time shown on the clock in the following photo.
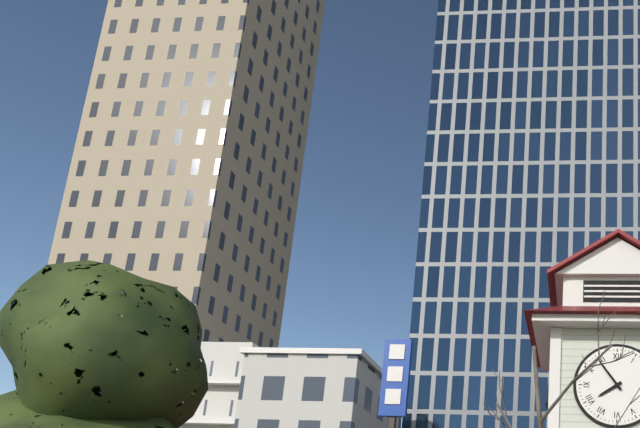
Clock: 7:54
